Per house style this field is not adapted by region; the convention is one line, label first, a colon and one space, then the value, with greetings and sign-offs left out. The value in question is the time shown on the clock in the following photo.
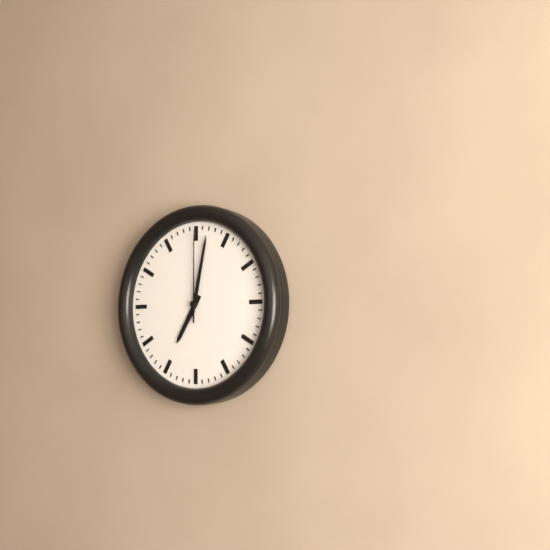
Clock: 7:02:00
